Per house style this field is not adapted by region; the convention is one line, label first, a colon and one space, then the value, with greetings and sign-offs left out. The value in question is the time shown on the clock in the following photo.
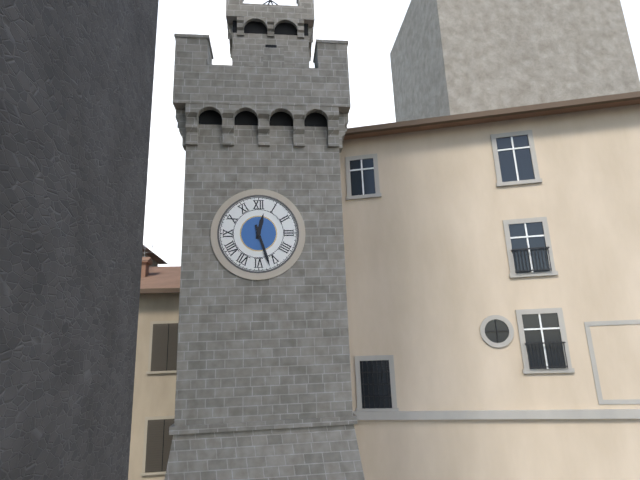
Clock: 12:27
